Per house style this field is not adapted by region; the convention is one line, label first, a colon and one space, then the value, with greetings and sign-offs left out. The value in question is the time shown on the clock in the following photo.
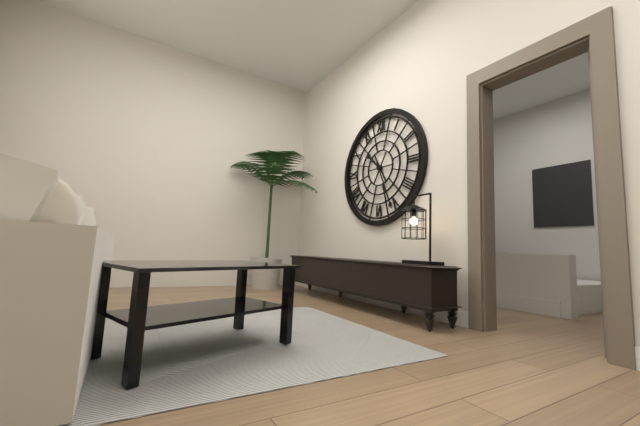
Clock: 10:26
